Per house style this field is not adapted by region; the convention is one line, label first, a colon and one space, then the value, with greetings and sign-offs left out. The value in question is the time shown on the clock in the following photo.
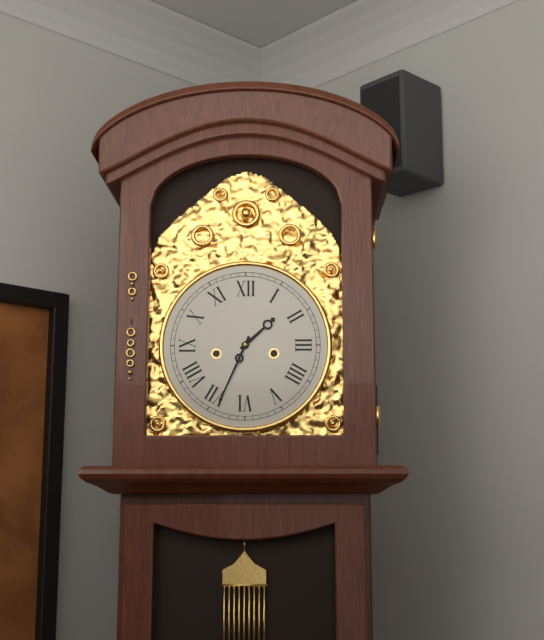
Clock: 1:34
